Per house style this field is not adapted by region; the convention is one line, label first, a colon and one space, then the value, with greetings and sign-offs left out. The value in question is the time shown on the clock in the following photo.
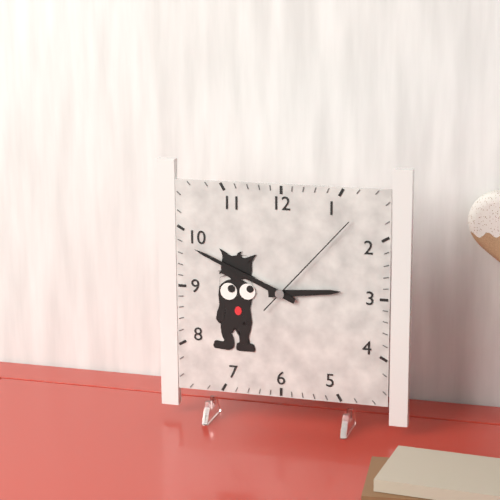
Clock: 2:49:07
